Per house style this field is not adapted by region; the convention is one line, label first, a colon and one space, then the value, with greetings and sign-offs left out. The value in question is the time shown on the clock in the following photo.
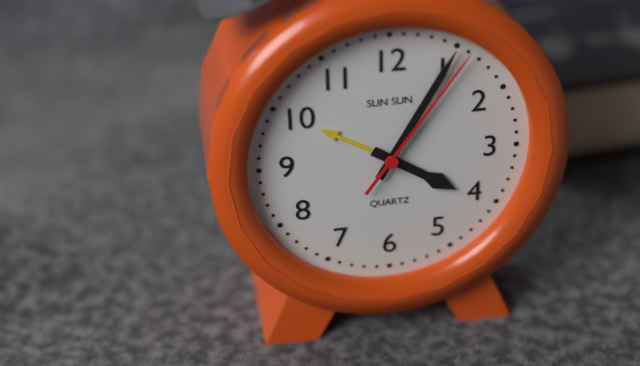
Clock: 4:05:06
